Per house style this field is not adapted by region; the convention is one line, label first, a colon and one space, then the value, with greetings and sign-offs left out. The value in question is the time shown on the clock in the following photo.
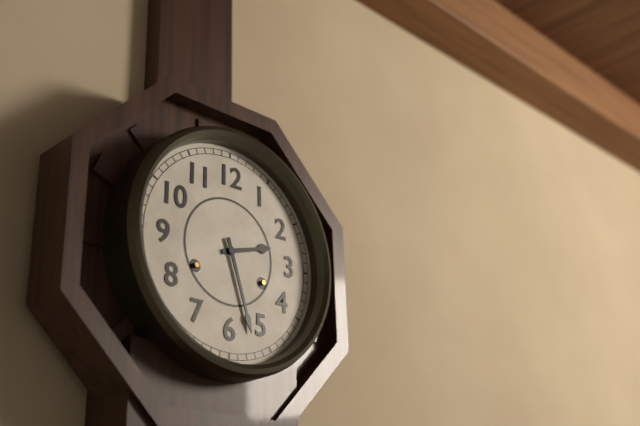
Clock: 2:27
